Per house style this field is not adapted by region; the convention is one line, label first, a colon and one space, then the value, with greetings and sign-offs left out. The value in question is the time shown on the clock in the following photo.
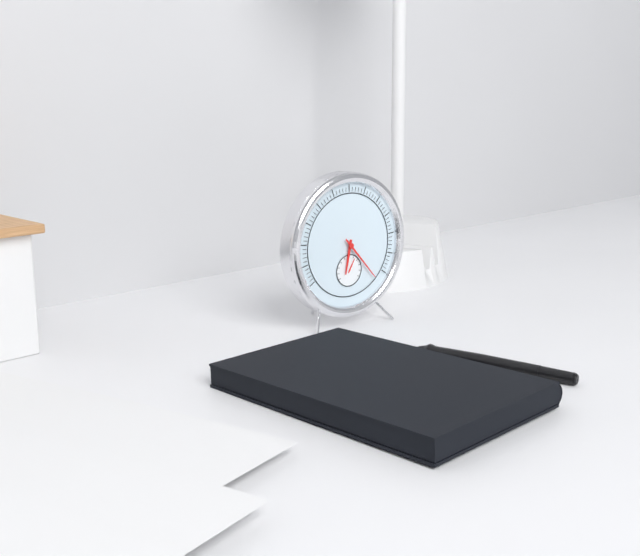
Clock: 6:23
